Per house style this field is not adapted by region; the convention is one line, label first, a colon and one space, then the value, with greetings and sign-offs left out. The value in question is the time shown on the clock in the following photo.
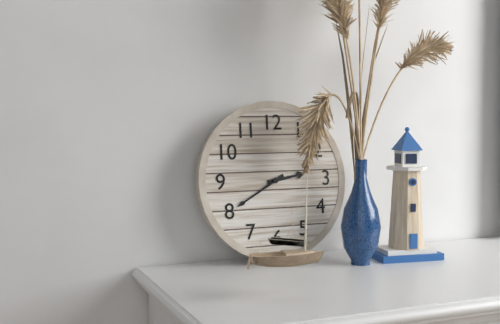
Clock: 2:40
